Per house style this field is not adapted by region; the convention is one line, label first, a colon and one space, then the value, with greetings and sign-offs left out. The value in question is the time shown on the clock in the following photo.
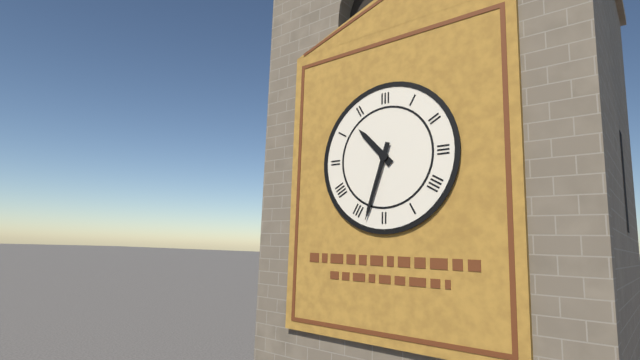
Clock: 10:33
